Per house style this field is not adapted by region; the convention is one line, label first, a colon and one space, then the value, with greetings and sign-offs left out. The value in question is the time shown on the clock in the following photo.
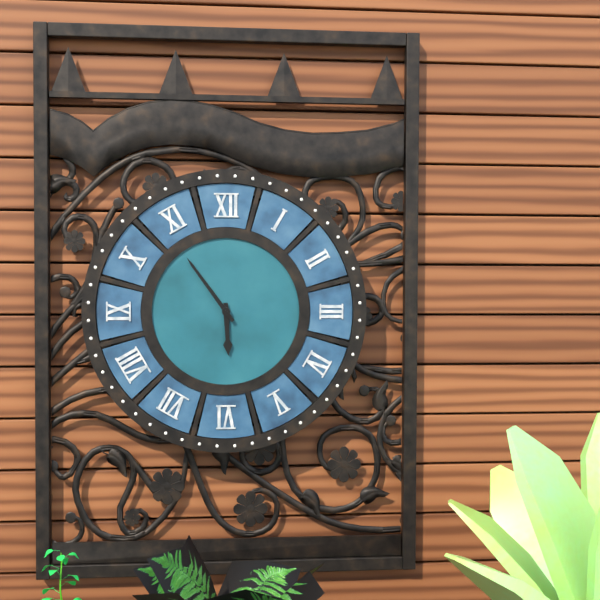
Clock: 5:54
